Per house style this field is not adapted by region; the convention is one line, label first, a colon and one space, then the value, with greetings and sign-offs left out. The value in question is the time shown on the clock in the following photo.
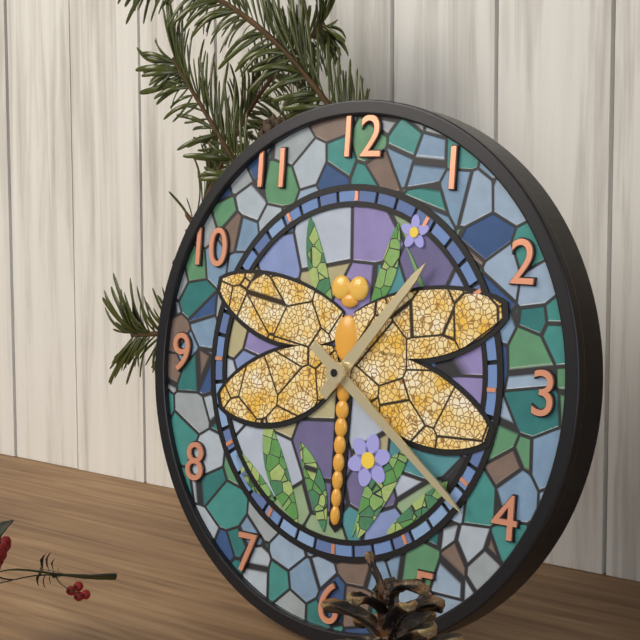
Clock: 1:21
